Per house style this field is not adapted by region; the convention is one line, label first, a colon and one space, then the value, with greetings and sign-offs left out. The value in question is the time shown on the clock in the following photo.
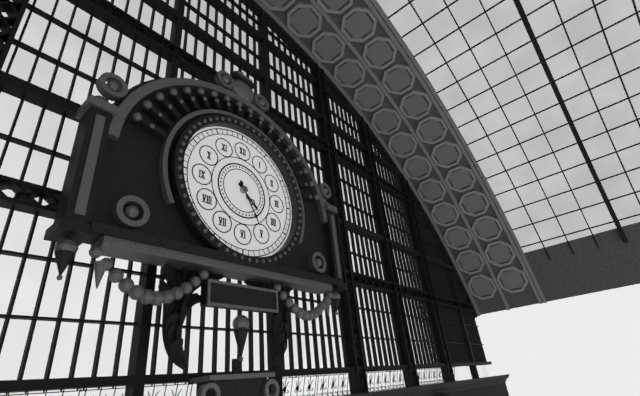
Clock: 4:25
